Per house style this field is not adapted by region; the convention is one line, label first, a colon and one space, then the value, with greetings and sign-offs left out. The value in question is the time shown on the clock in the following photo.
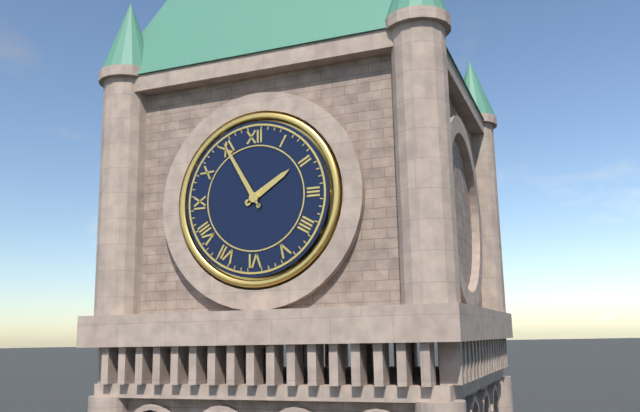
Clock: 1:55
